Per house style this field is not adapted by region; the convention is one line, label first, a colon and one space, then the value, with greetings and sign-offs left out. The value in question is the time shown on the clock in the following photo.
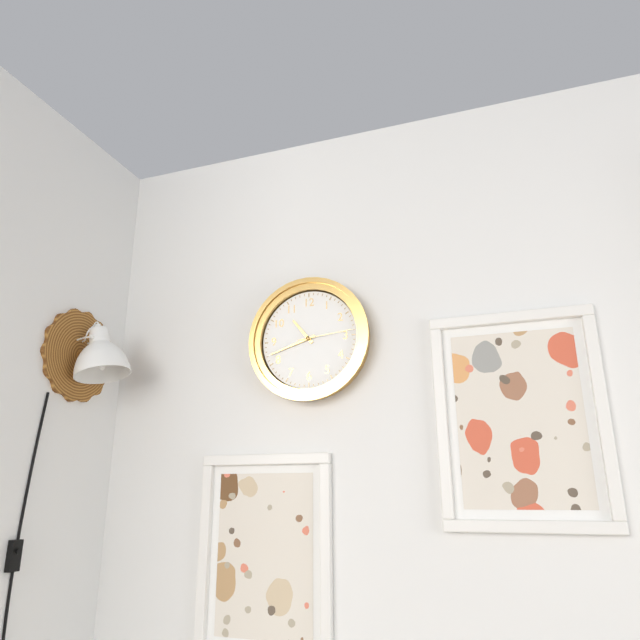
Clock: 10:42:14
